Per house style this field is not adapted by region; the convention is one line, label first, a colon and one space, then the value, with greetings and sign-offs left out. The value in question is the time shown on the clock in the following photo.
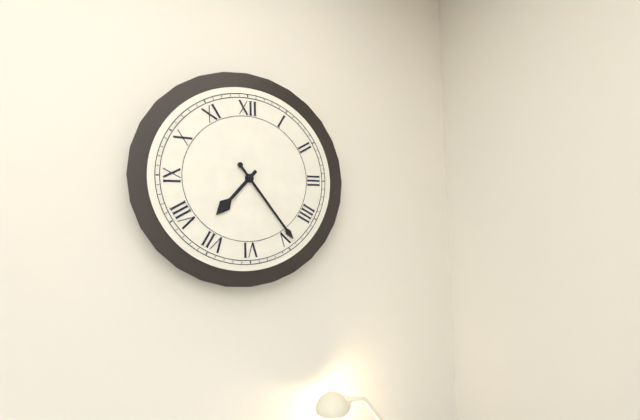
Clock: 7:24
